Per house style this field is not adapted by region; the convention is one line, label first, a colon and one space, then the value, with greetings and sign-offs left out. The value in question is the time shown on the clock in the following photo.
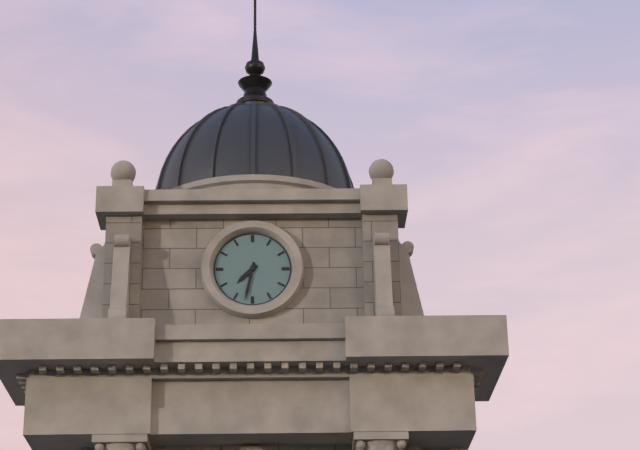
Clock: 7:32
